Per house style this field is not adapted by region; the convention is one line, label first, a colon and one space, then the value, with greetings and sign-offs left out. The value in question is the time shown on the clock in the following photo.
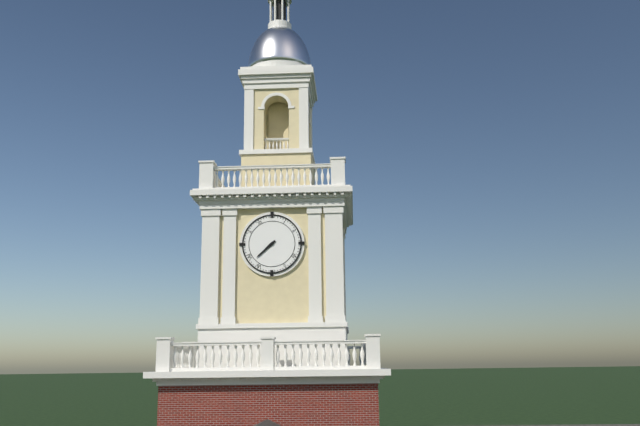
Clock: 7:38
